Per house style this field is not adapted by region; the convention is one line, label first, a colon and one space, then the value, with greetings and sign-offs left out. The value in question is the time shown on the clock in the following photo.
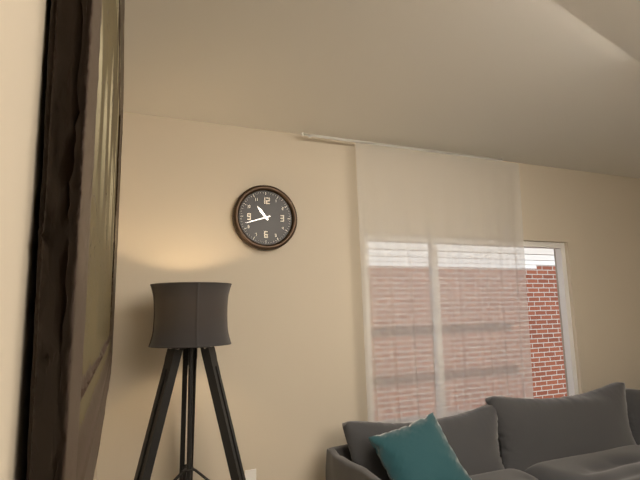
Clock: 10:42
